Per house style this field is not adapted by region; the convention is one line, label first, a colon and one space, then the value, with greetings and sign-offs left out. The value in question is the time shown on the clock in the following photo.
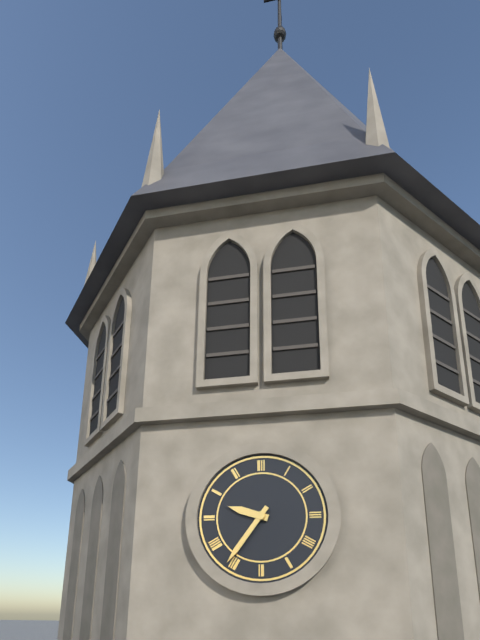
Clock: 9:36
